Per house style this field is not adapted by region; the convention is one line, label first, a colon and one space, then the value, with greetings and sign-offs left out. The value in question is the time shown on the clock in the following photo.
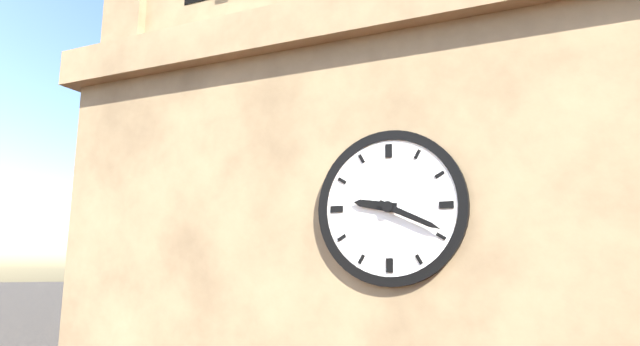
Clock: 9:19
